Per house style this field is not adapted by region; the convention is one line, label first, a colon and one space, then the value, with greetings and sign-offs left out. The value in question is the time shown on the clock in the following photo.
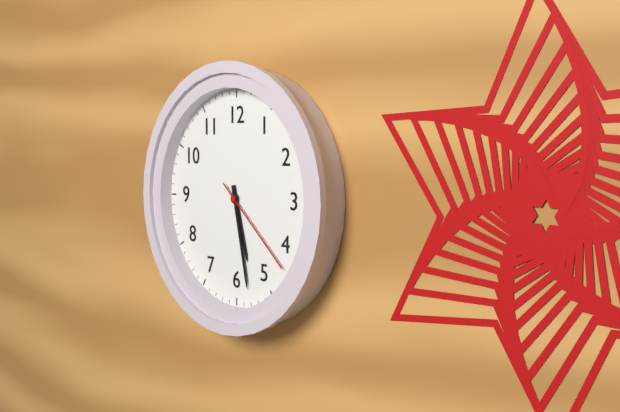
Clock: 5:28:22
